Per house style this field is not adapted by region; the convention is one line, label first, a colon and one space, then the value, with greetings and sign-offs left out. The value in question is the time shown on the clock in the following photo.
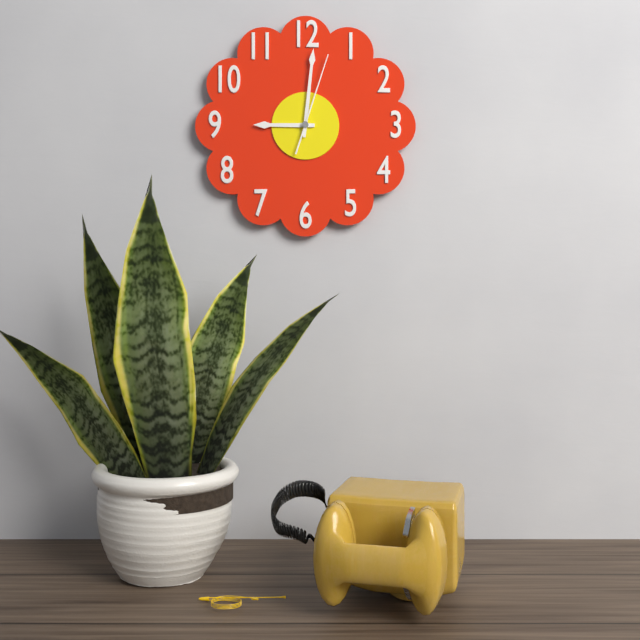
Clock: 9:01:03
